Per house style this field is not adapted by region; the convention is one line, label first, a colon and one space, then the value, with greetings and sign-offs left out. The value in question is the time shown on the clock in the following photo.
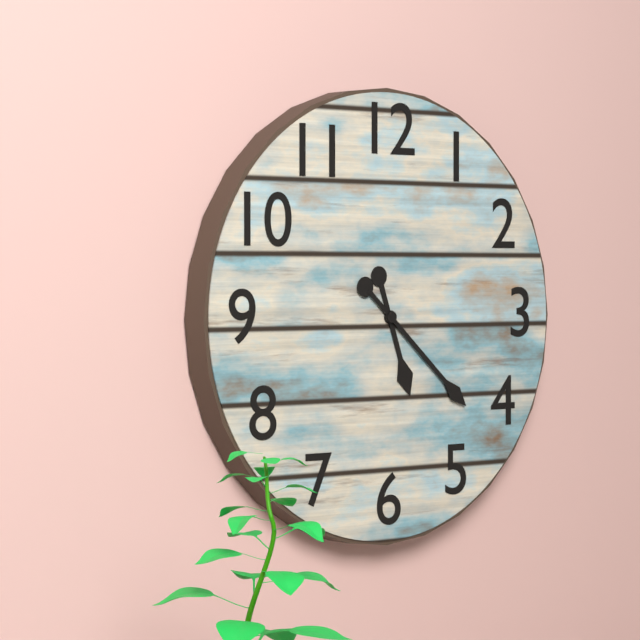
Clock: 5:22
